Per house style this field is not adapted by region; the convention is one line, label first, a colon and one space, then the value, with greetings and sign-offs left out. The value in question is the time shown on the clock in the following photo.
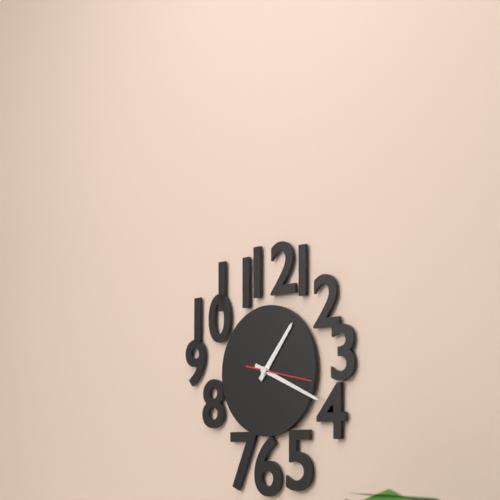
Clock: 1:19:17
